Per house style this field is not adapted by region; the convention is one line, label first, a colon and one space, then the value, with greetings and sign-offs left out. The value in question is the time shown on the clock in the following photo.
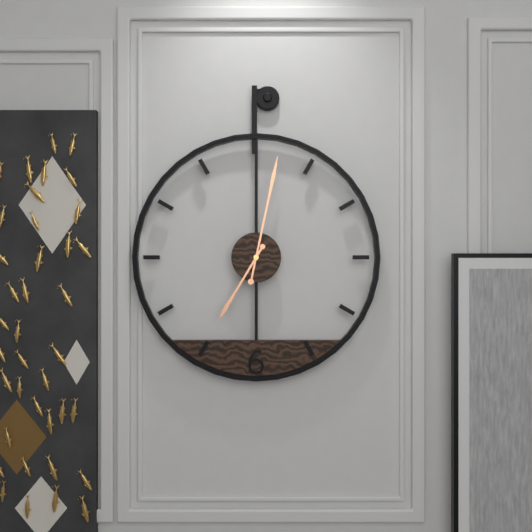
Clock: 7:02
